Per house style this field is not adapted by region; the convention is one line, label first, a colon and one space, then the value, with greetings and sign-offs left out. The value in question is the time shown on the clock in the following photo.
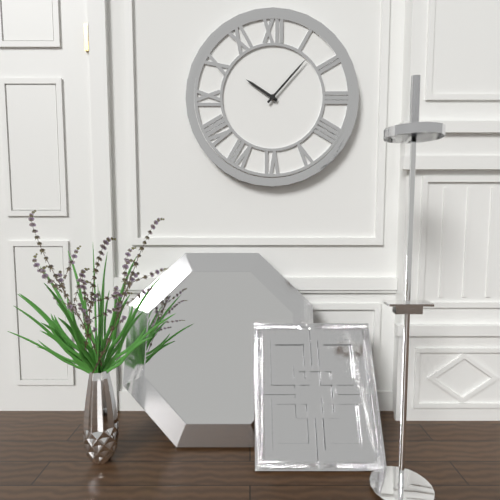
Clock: 10:07
